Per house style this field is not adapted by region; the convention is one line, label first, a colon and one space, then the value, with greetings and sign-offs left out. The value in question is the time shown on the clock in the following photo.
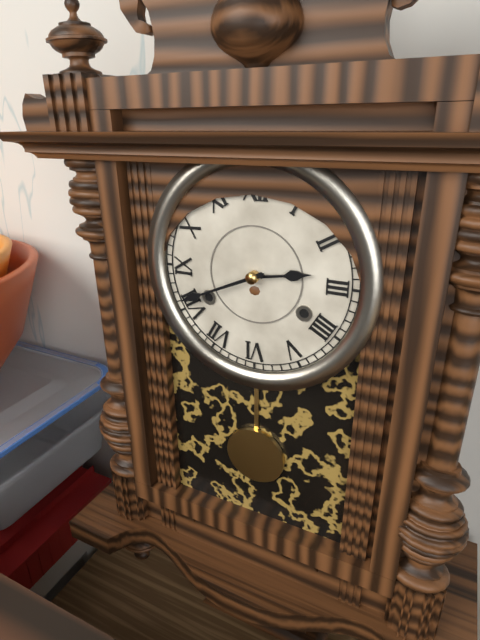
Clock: 2:41
